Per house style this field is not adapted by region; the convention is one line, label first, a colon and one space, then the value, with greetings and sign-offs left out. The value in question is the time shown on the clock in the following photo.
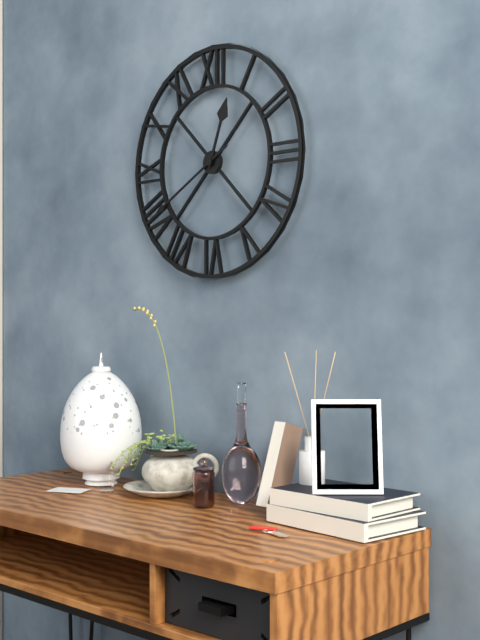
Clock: 12:40
